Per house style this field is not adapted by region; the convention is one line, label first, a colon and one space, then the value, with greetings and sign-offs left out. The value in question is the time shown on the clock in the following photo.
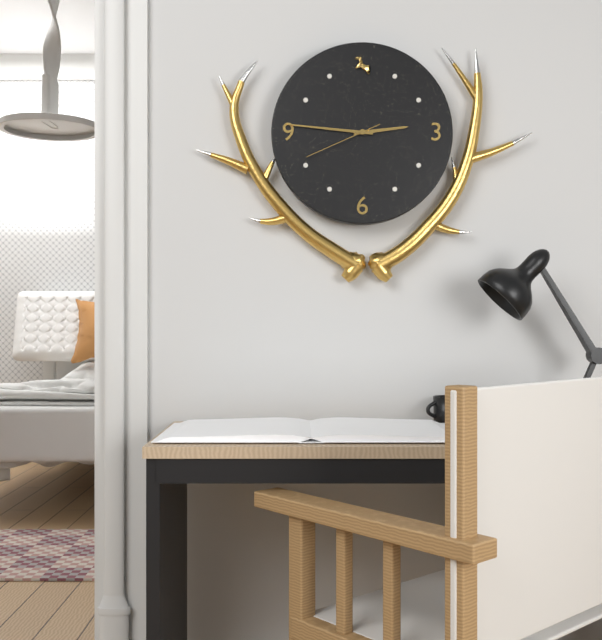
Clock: 2:46:41
